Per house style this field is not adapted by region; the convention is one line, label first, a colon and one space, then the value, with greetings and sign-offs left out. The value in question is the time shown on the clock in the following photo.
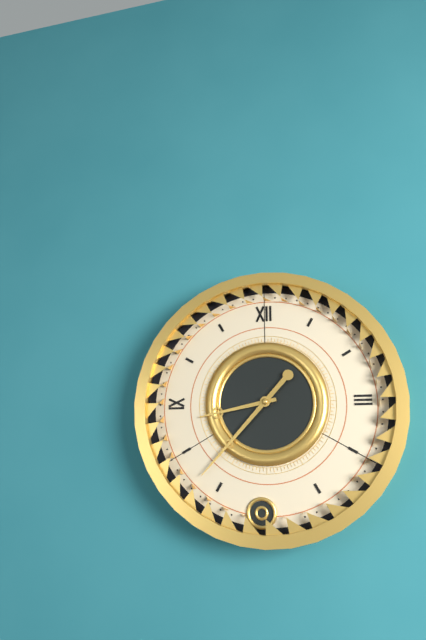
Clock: 8:37
